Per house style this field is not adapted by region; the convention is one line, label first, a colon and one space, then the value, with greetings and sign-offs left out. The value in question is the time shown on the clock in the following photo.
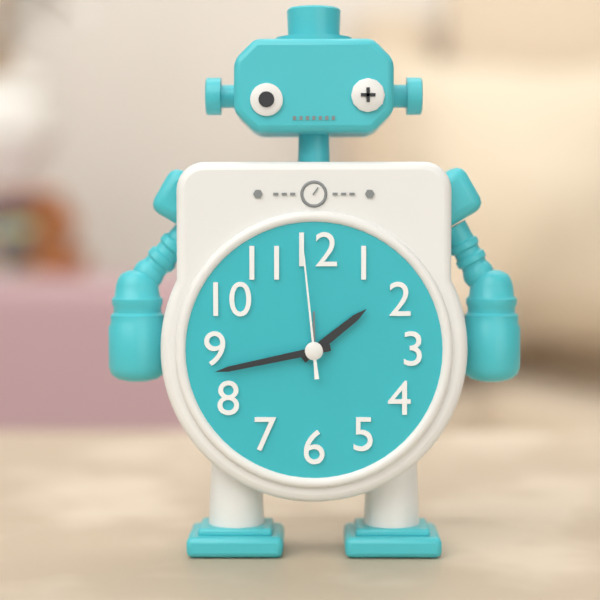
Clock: 1:43:59
